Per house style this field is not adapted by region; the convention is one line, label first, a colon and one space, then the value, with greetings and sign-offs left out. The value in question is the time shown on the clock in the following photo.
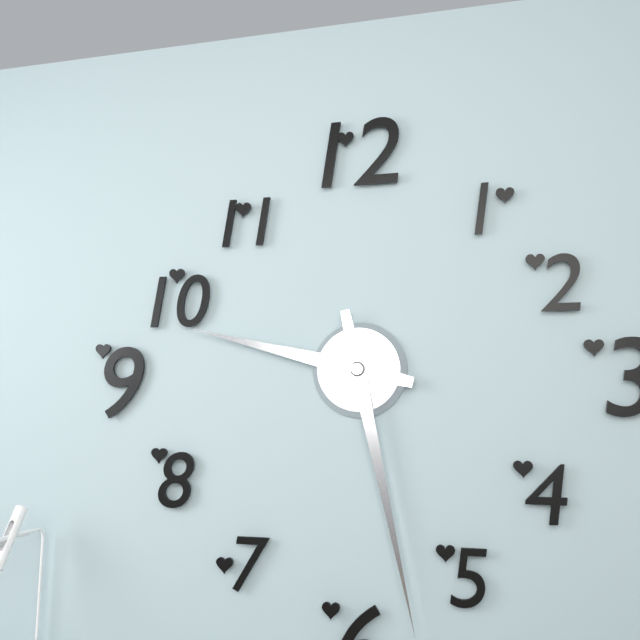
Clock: 9:28
